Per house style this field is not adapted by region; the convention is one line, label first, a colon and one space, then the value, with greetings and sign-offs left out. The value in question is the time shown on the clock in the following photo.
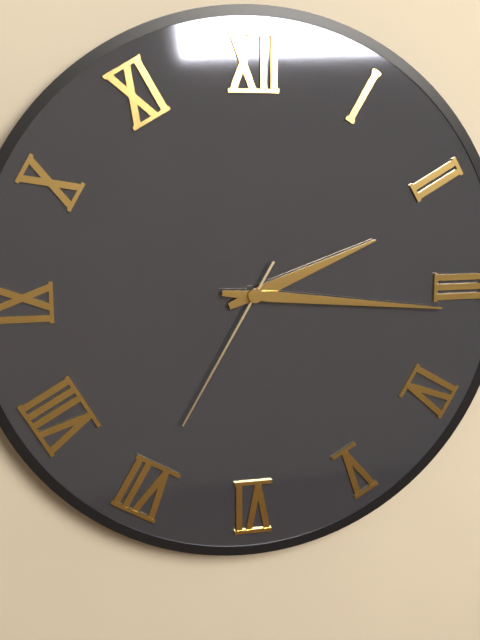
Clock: 2:16:35
